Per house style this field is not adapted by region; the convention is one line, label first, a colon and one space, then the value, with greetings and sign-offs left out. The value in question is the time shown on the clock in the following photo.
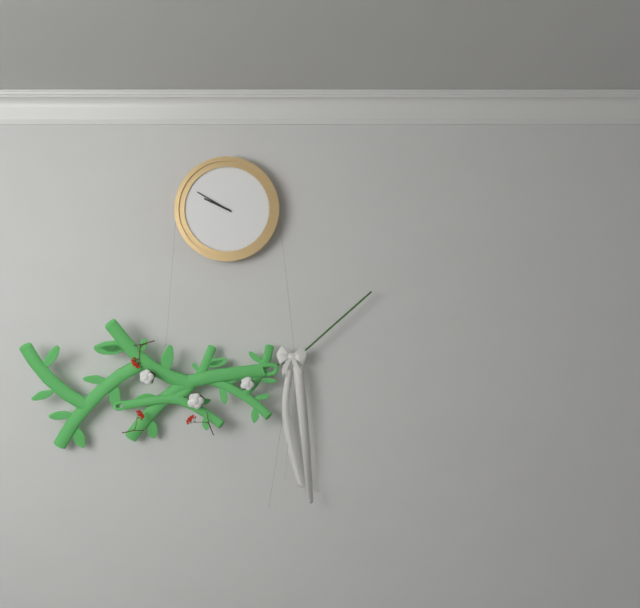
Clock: 9:50
